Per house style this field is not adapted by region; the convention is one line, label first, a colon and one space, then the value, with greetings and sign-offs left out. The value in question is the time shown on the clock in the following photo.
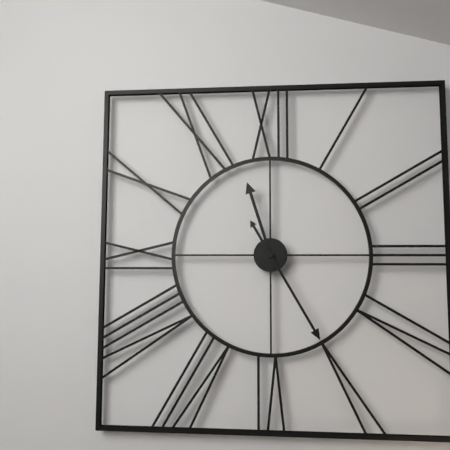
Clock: 11:25
